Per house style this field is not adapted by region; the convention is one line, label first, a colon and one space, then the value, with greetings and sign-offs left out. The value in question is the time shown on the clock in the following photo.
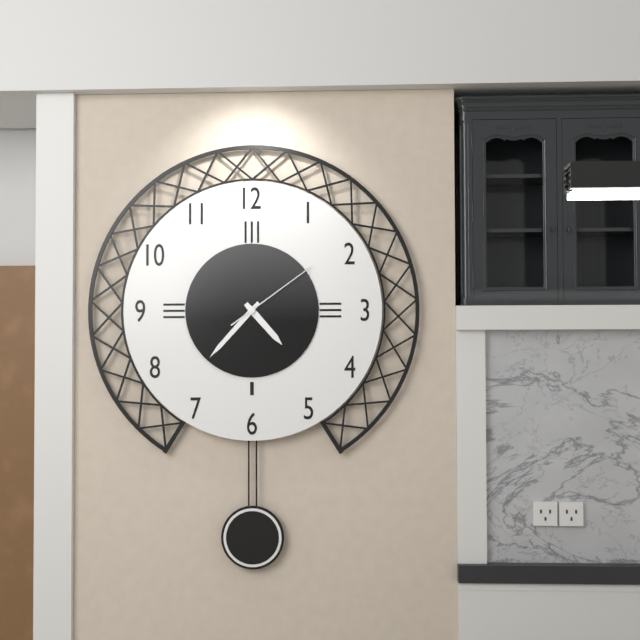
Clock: 4:37:09
